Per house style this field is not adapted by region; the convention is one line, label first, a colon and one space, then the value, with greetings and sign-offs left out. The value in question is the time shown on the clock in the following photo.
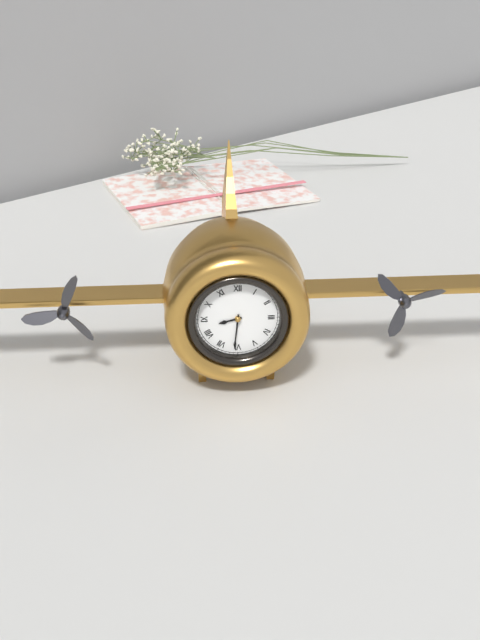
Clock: 8:31
